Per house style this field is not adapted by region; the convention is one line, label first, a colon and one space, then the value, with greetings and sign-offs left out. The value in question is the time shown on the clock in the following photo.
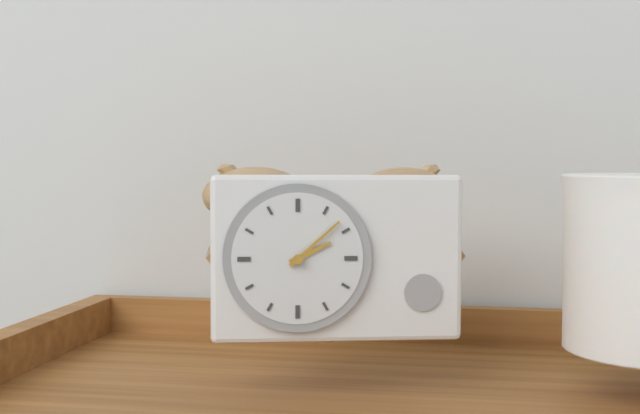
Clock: 2:08
